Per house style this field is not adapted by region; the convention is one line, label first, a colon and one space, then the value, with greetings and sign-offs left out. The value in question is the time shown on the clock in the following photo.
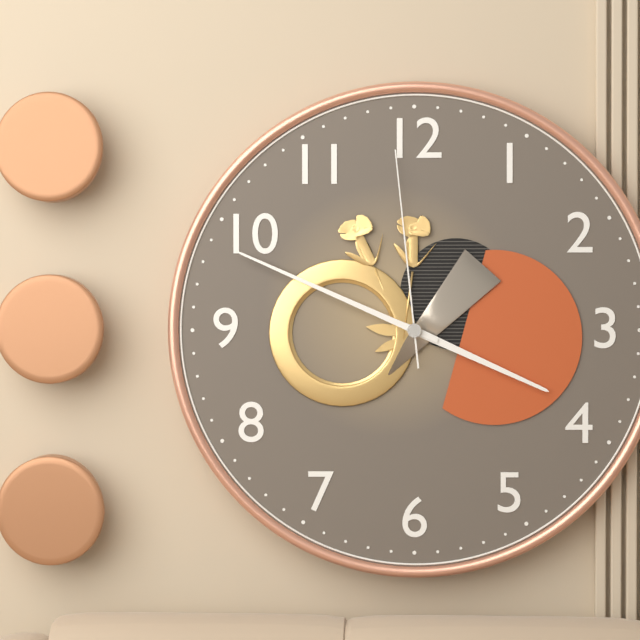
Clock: 3:49:59
